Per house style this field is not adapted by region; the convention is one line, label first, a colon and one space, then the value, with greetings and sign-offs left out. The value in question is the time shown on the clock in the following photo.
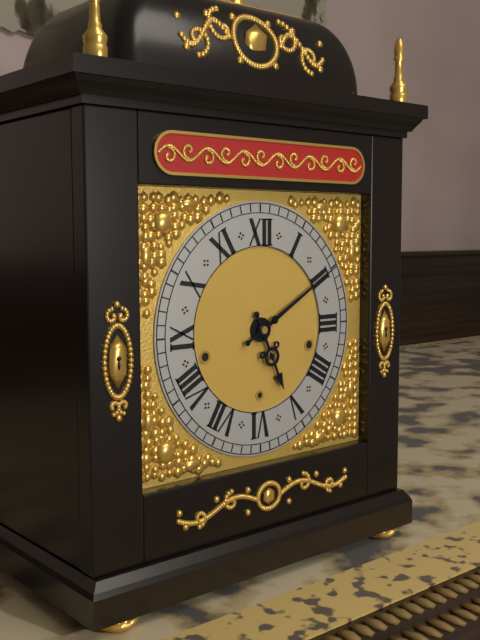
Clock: 5:10
